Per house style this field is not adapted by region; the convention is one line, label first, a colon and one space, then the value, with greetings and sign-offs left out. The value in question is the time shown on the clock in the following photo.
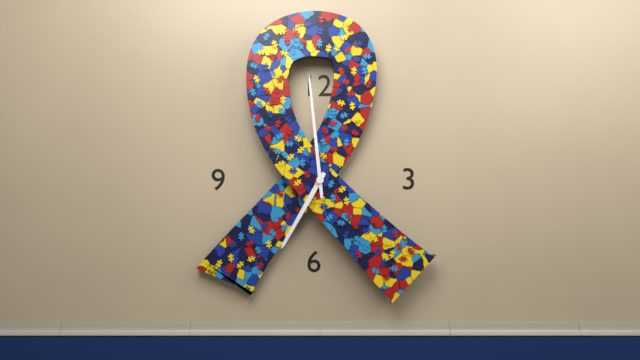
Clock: 6:59
